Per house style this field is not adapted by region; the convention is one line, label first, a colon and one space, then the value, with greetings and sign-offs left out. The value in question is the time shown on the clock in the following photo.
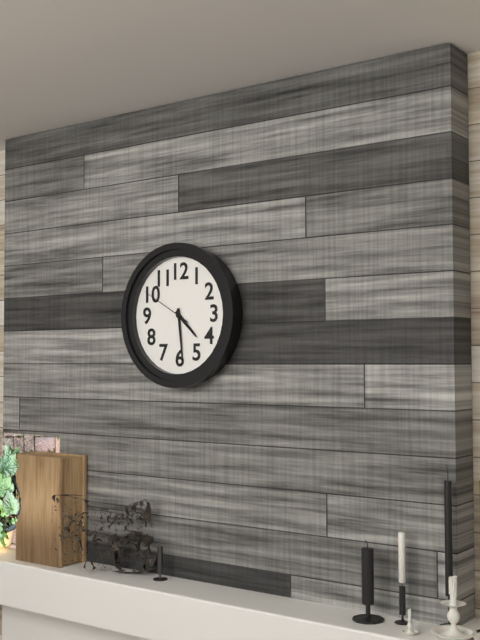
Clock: 4:29:50
